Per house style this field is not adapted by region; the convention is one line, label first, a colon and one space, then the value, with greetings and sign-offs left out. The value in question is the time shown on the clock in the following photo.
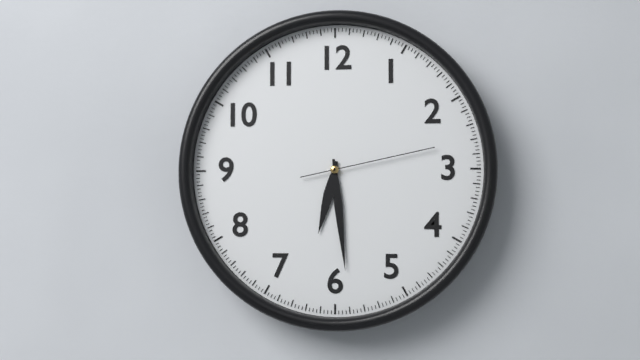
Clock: 6:29:13
